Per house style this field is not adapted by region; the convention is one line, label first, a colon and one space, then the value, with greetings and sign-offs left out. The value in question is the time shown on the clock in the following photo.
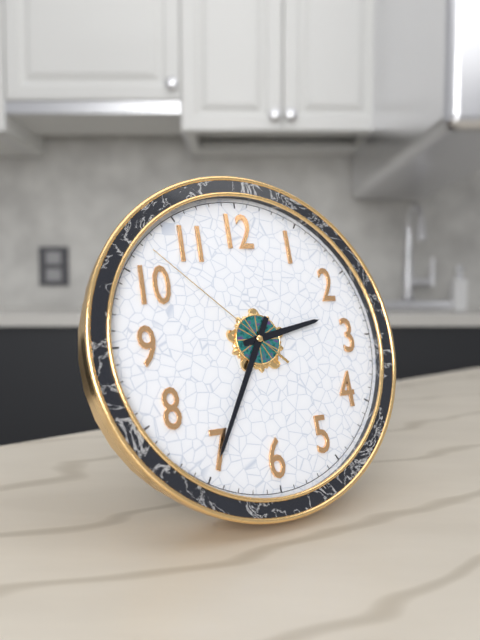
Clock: 2:35:52
